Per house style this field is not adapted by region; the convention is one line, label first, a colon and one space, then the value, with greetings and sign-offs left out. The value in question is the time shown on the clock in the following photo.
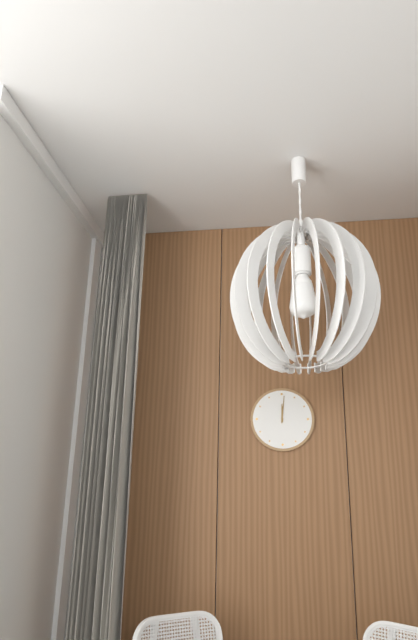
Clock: 12:01
